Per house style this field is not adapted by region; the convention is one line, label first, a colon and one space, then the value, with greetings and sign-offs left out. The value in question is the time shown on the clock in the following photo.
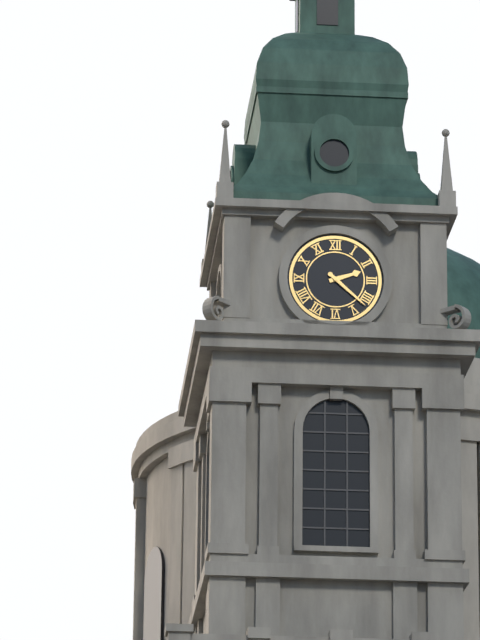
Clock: 2:22
